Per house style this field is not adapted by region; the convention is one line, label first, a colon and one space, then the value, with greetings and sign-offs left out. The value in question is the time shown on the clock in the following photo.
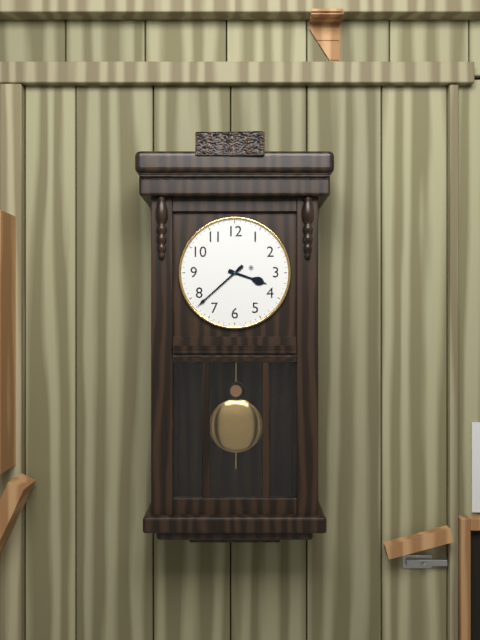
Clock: 3:38
